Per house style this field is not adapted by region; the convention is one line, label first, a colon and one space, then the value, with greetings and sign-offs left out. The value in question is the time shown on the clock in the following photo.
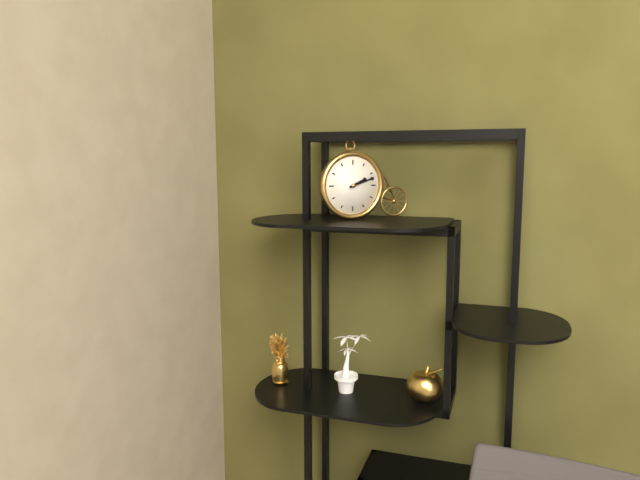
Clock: 2:12
